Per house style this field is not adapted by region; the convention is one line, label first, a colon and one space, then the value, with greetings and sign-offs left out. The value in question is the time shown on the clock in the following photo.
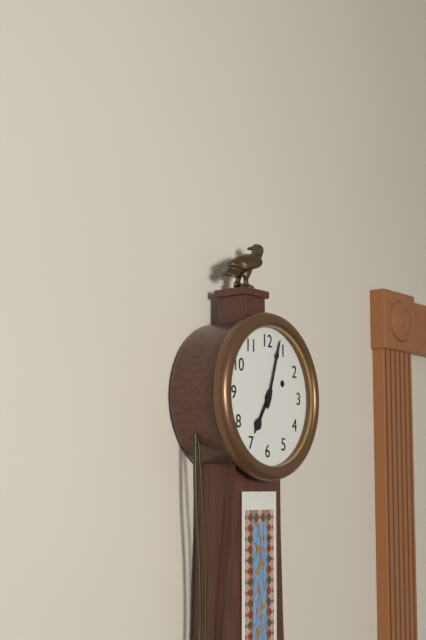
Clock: 7:03
